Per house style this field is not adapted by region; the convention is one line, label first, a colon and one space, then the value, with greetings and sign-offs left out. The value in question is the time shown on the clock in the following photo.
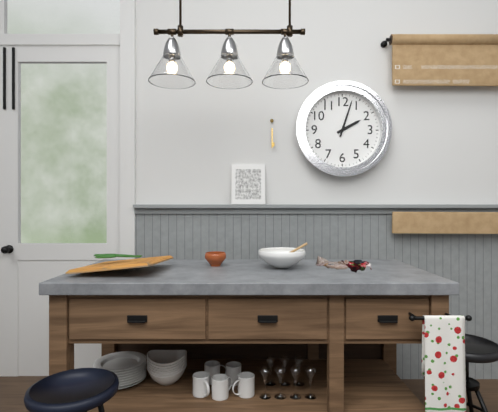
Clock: 2:03
